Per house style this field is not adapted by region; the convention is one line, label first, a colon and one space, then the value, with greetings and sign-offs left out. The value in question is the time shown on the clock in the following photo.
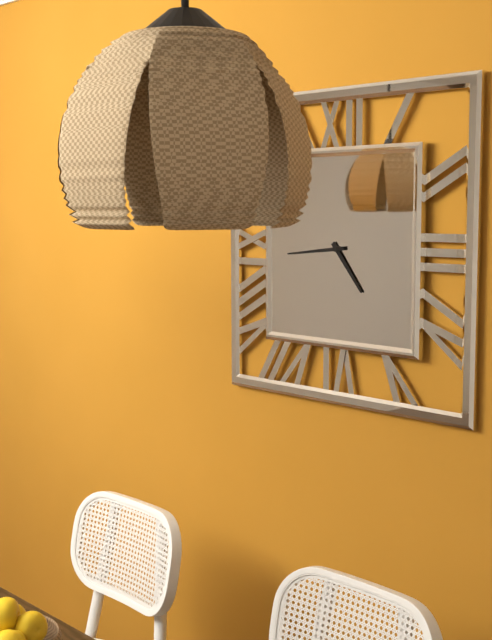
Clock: 4:44
